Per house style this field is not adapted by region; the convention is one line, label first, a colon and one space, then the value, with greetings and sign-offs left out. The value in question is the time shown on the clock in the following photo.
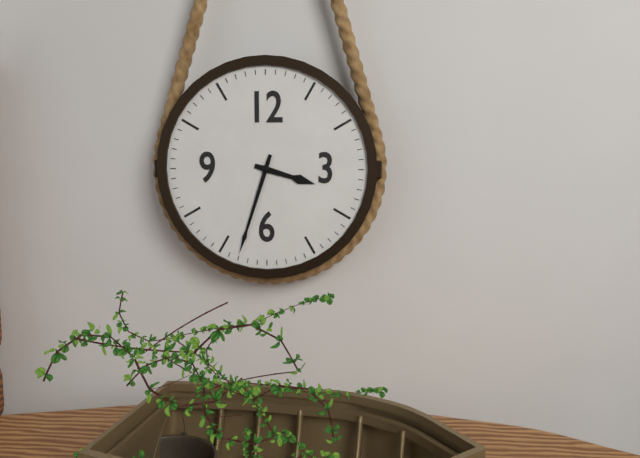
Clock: 3:33
